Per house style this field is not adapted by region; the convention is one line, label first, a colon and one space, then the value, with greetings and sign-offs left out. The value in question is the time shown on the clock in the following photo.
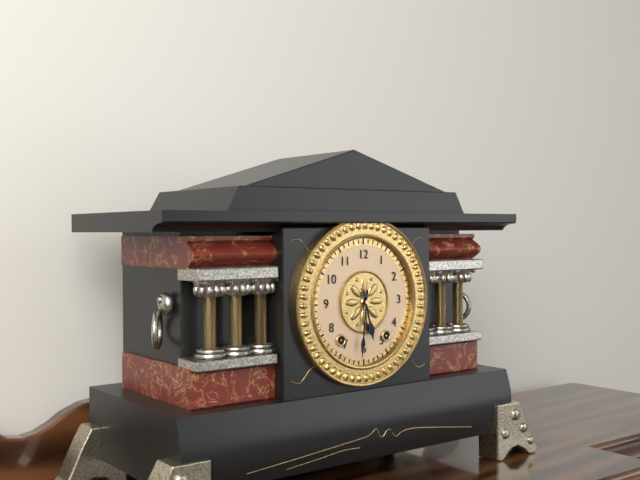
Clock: 5:31
